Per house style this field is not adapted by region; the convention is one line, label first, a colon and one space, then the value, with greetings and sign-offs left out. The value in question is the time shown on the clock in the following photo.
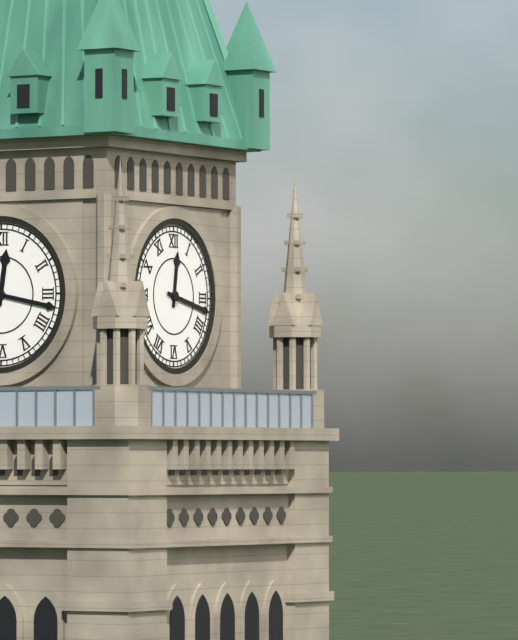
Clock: 12:17
